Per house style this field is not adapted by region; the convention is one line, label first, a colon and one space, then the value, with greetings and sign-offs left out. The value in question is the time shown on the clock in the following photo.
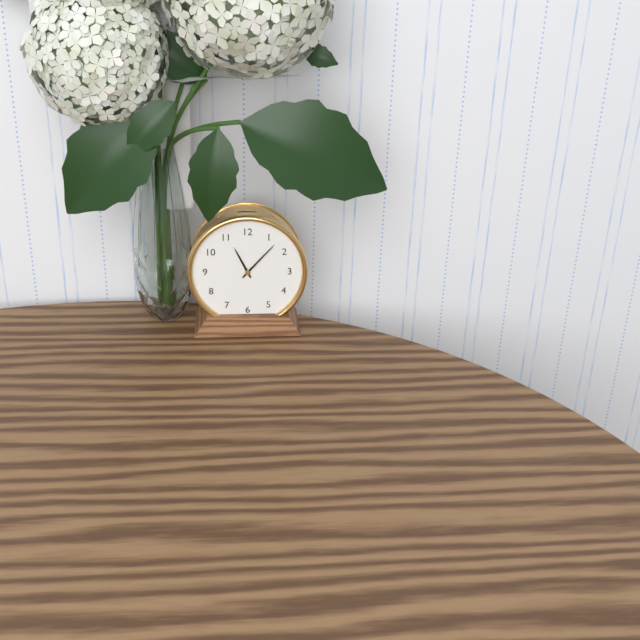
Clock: 11:07
